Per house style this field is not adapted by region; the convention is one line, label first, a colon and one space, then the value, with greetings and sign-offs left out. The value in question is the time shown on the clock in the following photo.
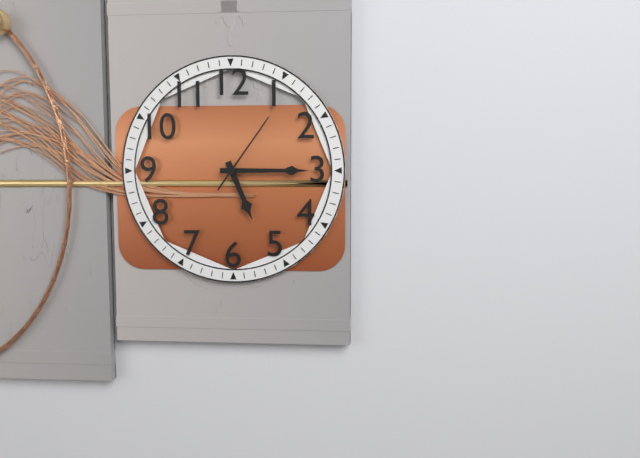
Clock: 5:15:06
